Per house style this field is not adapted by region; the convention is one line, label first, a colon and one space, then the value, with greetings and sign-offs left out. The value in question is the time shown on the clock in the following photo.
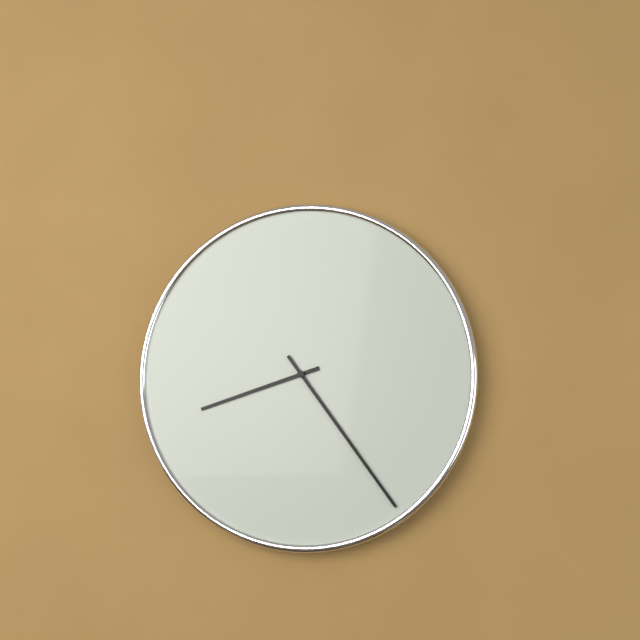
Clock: 8:24
